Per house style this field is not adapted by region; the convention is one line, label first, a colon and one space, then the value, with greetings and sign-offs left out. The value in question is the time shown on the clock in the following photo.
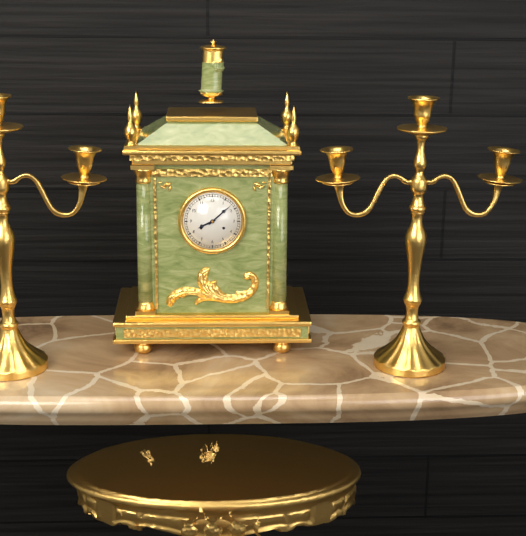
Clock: 8:08
